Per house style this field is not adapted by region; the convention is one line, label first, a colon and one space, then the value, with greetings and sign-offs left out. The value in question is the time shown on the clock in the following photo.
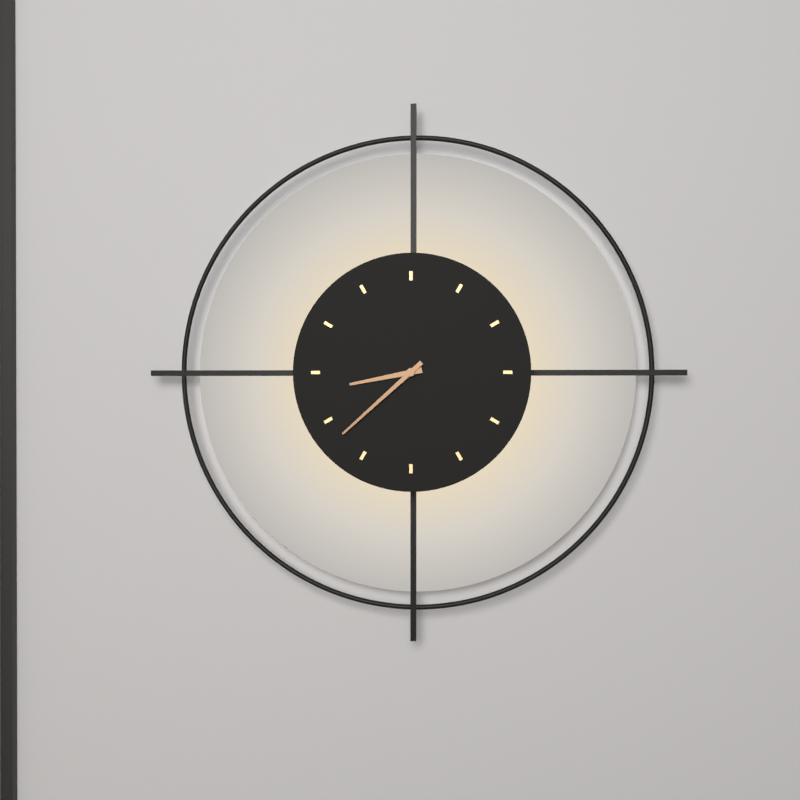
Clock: 8:38
